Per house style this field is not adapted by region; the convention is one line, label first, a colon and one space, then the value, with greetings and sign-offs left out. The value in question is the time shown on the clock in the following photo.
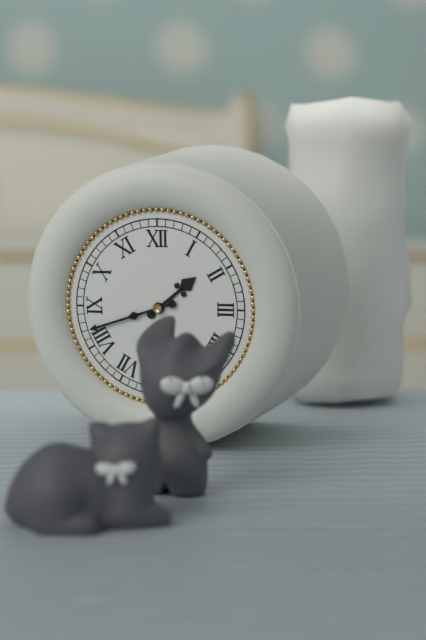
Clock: 1:42
